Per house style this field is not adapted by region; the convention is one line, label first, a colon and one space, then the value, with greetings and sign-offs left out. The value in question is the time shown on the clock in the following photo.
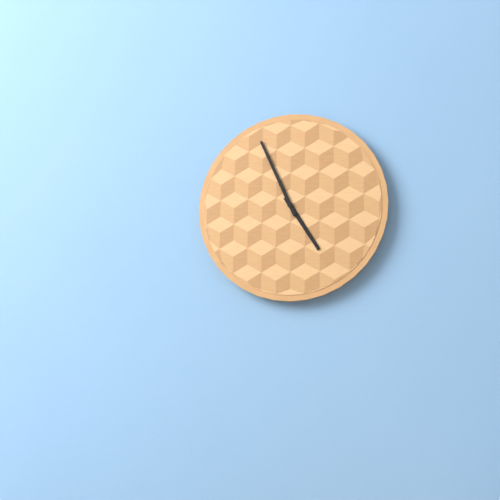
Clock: 4:56
